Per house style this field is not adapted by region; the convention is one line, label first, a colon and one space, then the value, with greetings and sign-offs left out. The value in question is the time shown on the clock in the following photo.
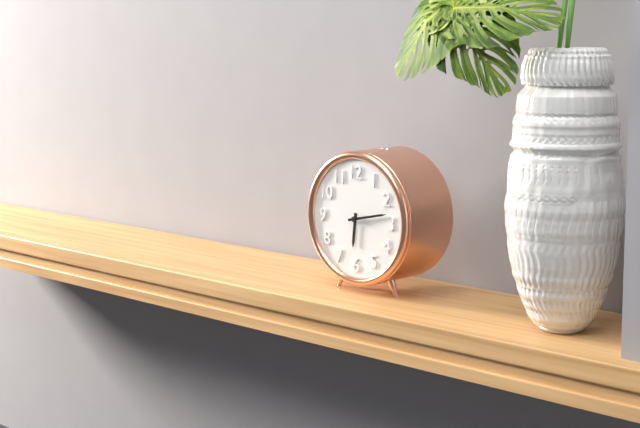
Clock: 6:13
